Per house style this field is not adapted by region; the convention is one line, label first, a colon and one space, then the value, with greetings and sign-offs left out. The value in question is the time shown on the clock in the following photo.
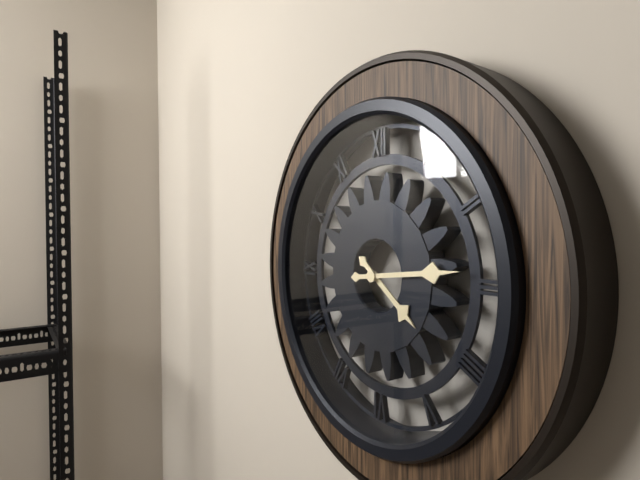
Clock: 4:14
